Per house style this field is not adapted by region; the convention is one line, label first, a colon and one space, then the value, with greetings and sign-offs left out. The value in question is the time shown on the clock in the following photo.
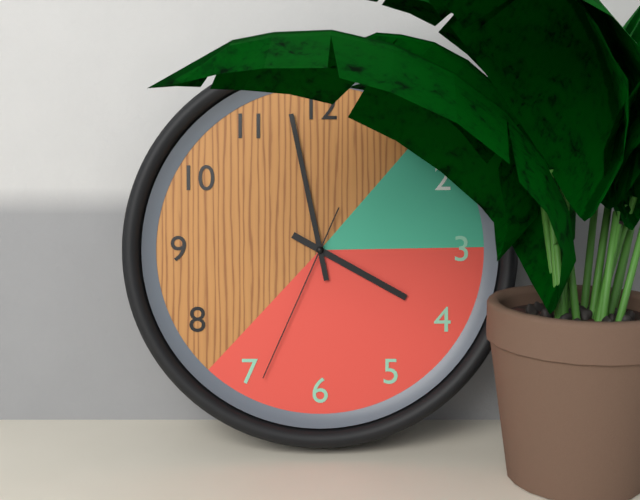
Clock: 3:58:34
